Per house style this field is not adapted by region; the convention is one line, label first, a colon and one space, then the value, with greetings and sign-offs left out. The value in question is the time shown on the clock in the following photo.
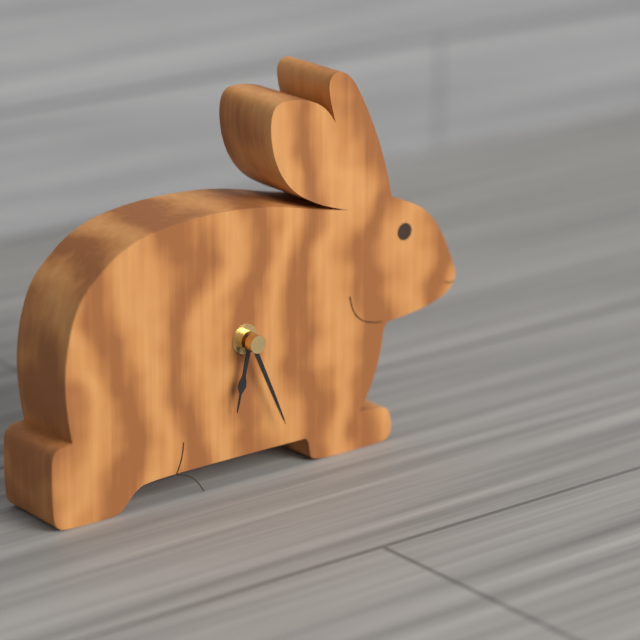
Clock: 6:26
